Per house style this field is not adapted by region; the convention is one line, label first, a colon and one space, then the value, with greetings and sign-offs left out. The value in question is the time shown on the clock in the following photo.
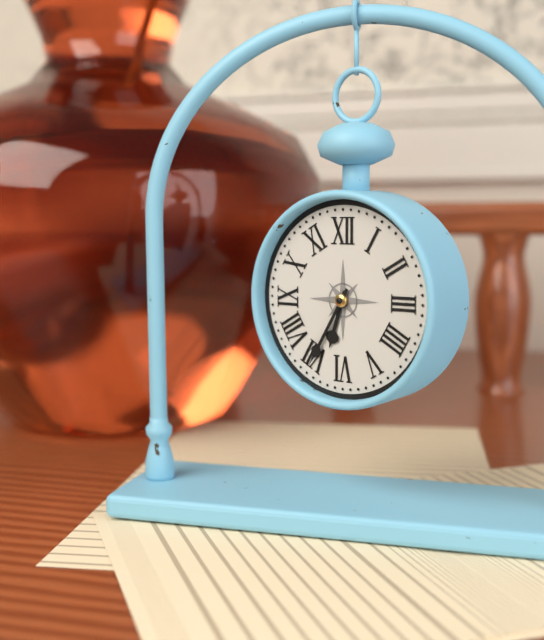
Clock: 6:35
